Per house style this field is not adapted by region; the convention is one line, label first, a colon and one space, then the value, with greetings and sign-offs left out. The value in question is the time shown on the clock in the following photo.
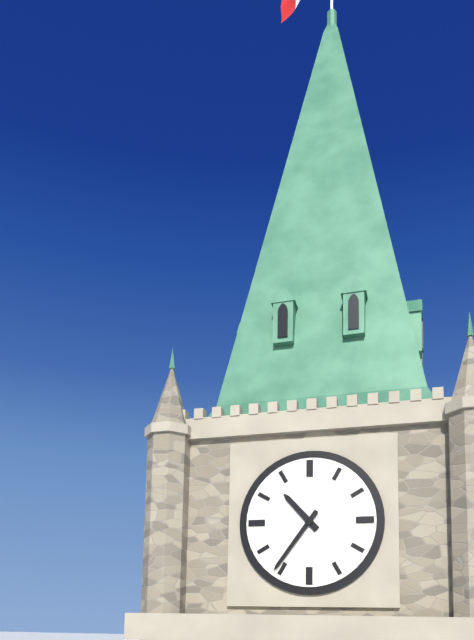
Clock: 10:36
